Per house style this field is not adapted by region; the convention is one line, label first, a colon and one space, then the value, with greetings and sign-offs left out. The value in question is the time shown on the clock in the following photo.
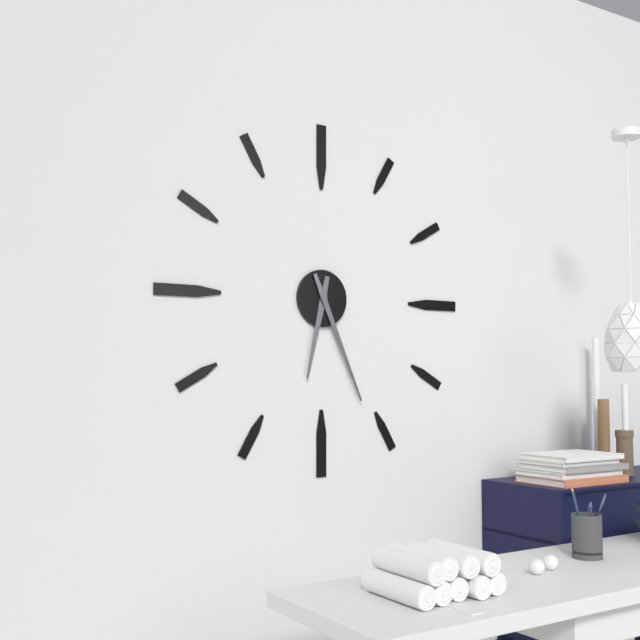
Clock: 6:26
